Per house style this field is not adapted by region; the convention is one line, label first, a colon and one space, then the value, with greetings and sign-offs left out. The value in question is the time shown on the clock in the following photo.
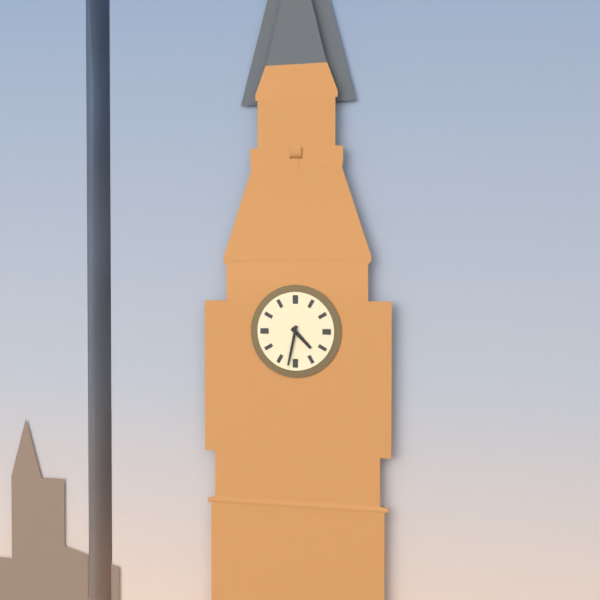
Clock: 4:32
